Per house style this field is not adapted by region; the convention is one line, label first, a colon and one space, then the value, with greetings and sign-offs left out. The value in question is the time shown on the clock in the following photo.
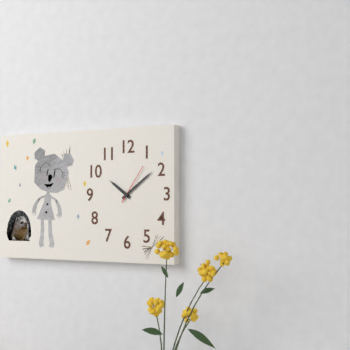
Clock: 10:09
